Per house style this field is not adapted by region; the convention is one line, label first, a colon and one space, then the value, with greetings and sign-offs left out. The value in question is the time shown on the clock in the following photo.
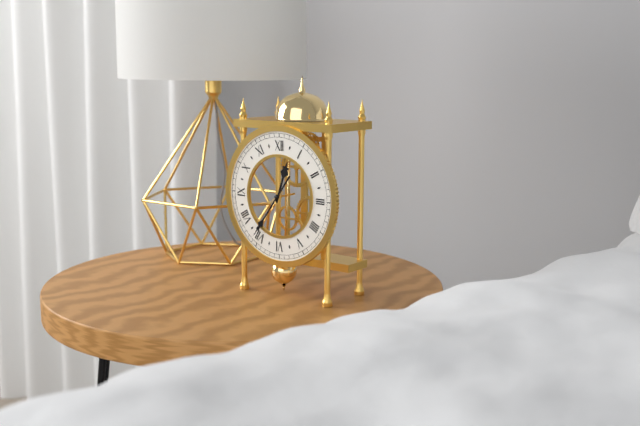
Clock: 12:36
